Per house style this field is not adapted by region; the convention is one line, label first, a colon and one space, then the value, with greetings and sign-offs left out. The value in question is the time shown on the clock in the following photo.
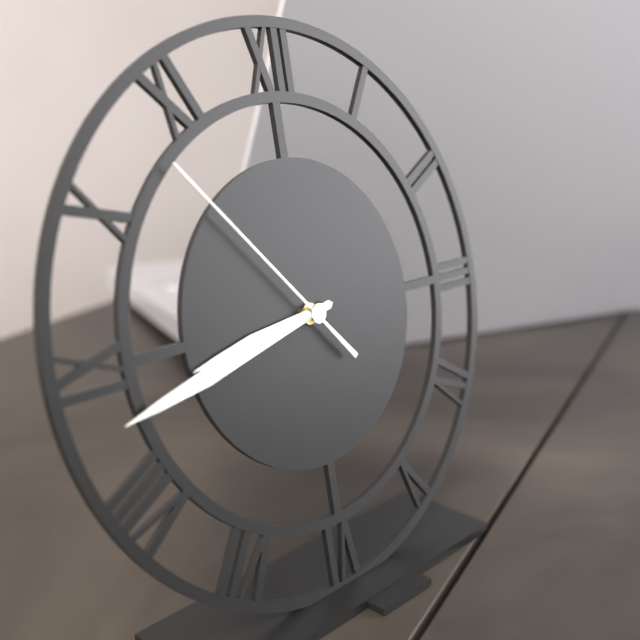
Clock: 8:43:53
